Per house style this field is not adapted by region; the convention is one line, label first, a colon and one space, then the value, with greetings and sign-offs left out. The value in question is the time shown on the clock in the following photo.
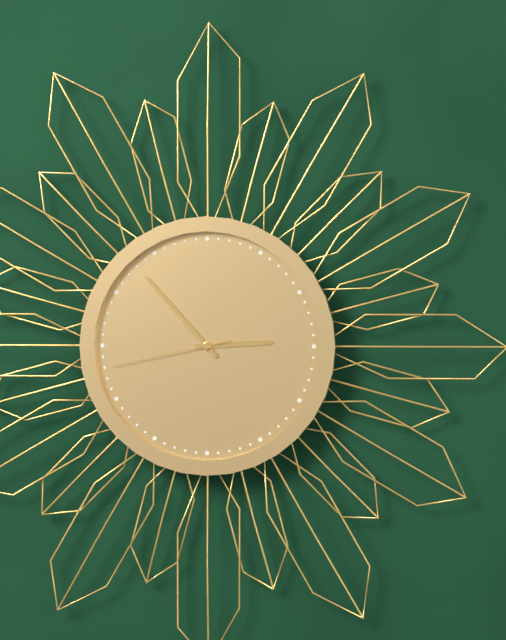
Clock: 2:53:43
